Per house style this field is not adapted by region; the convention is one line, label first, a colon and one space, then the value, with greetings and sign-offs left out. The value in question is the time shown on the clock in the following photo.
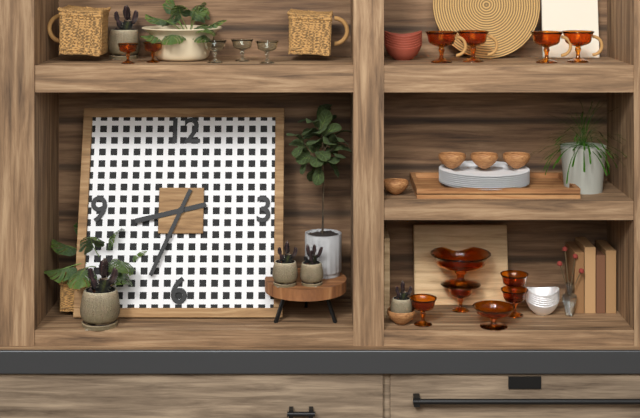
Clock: 8:34
